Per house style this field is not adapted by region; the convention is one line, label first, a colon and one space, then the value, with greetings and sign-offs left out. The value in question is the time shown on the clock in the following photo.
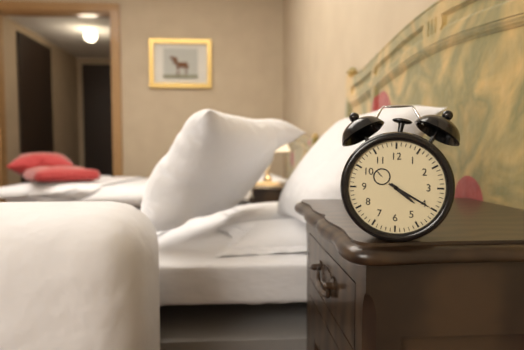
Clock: 4:20
